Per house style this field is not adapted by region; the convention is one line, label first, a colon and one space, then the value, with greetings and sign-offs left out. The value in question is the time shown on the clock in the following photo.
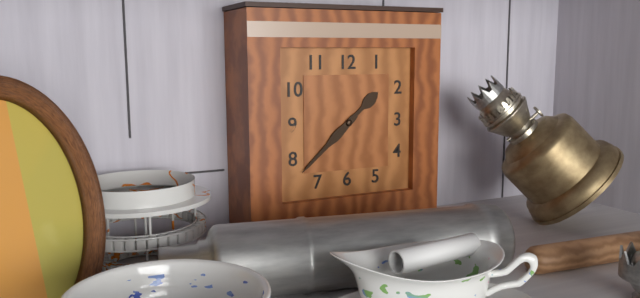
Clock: 1:38
